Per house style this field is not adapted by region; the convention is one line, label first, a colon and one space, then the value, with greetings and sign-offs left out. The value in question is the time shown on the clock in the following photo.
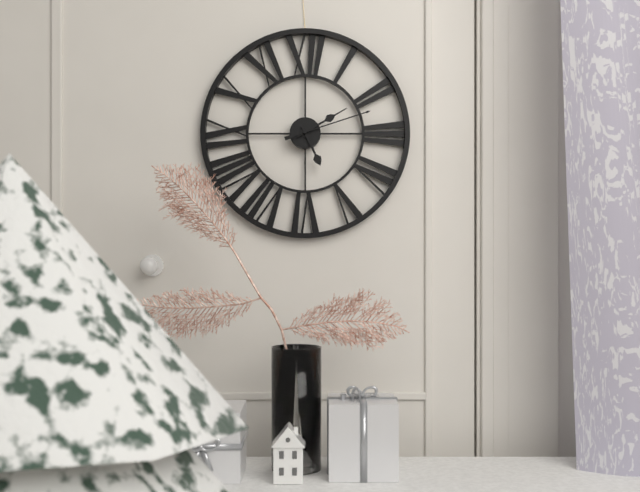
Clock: 5:10:12
